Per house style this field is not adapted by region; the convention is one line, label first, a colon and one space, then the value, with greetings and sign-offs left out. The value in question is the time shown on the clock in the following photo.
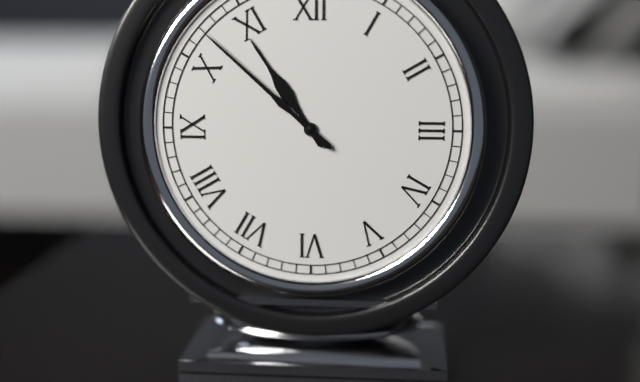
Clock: 10:52
